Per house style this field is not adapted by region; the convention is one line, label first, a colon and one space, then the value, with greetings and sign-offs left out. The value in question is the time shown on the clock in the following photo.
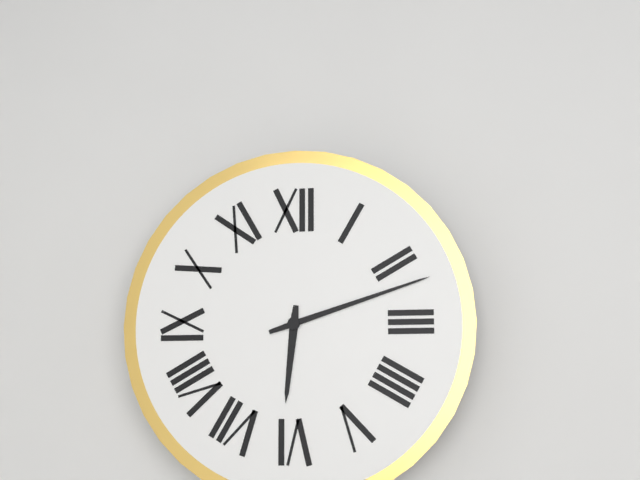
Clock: 6:12
